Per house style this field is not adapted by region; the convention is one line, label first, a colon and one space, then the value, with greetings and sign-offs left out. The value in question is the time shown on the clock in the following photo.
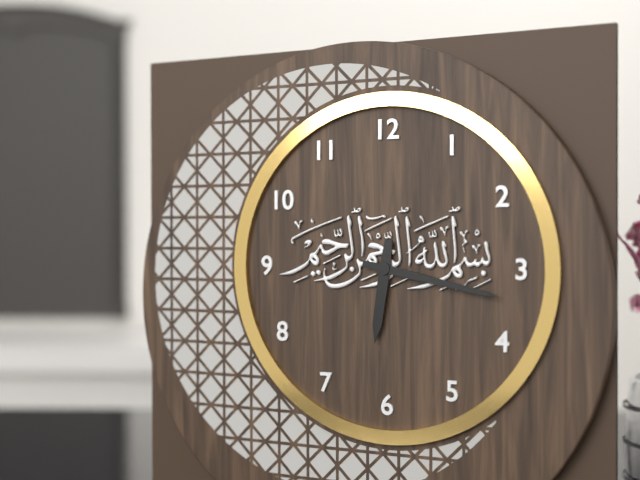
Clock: 6:17
